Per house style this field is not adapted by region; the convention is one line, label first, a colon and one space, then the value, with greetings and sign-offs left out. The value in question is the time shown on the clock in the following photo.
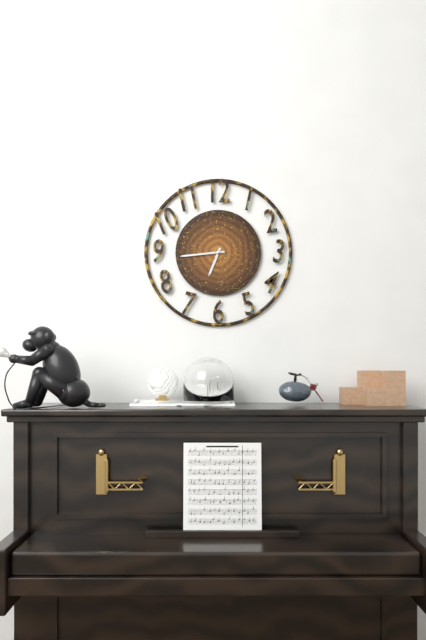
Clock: 6:44
